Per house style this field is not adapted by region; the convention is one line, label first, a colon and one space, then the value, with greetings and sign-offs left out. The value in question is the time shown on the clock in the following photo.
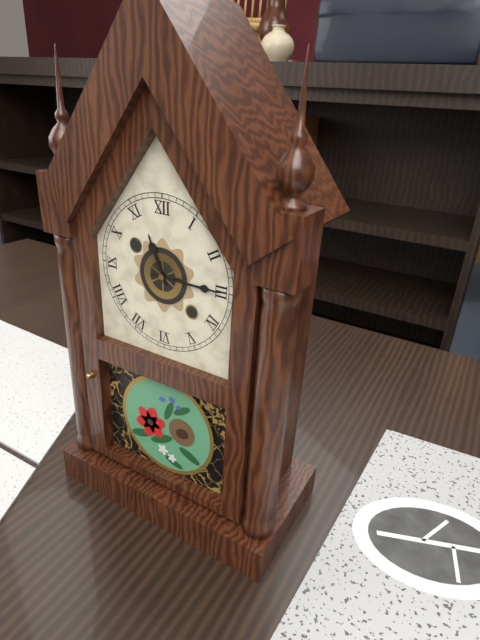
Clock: 11:15
